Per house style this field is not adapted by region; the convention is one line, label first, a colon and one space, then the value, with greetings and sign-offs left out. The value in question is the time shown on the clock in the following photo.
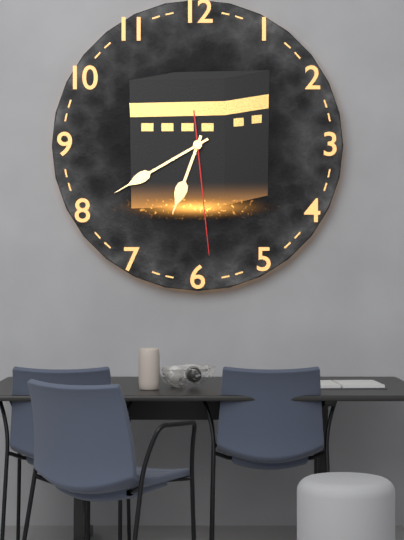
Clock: 6:40:29
